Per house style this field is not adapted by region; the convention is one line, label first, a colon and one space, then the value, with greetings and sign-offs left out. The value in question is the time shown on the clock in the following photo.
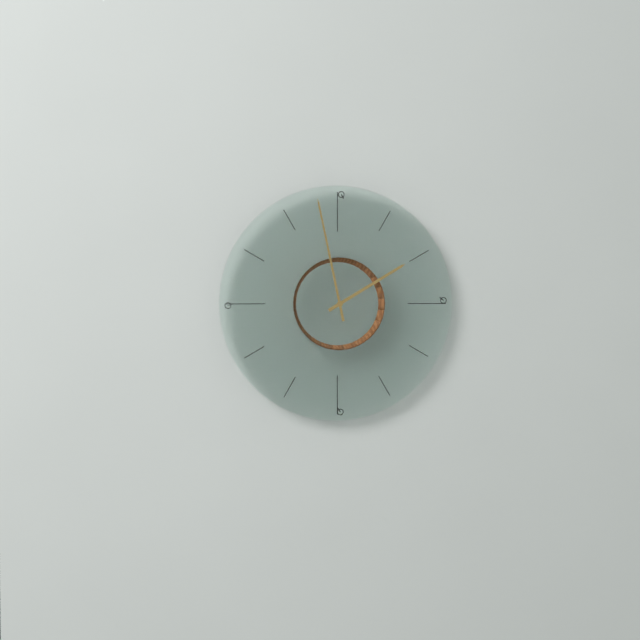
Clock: 1:58
